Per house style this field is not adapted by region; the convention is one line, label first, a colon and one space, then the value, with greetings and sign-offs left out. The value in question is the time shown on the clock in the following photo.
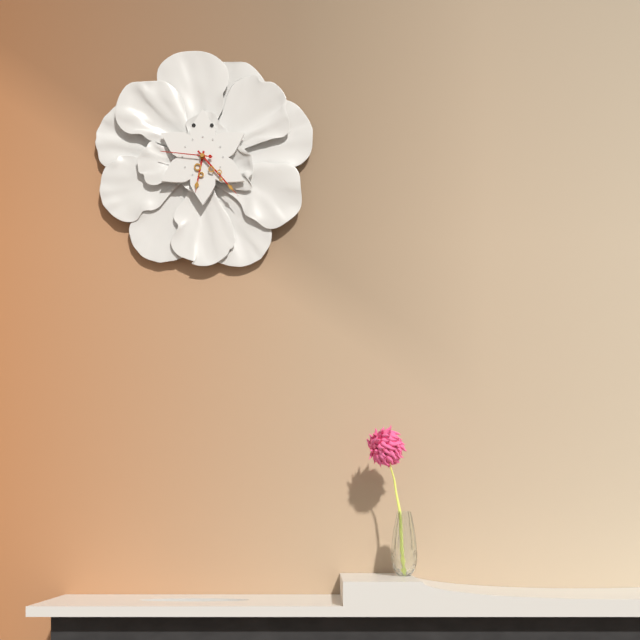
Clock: 6:23:46
